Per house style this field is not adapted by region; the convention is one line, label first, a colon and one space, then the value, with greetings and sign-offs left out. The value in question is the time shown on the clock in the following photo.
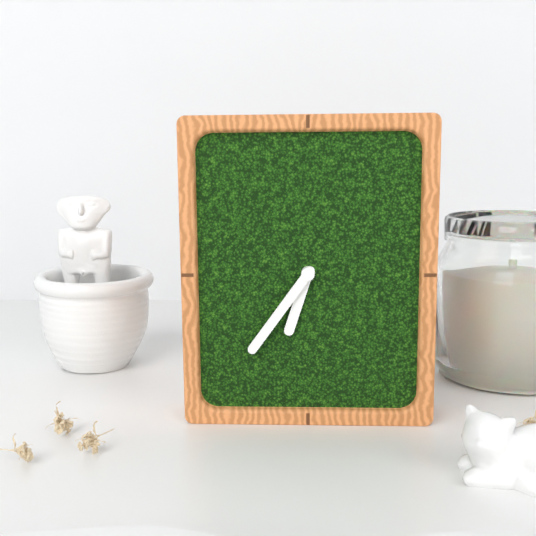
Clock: 6:36
